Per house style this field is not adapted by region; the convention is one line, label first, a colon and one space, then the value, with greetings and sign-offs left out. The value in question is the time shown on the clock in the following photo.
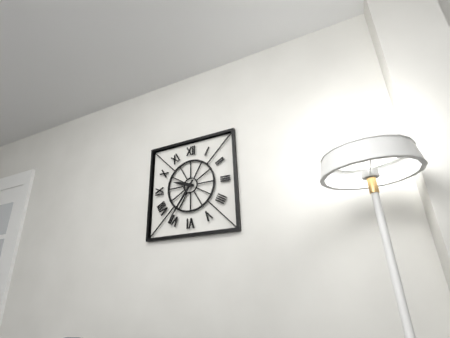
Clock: 9:36
